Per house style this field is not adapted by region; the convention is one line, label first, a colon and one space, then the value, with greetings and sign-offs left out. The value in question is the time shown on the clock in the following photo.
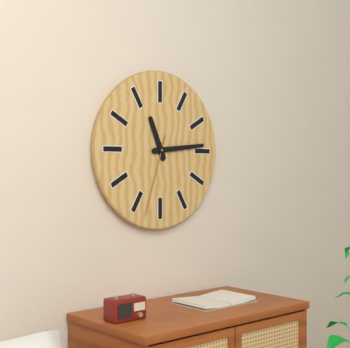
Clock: 11:14:33
